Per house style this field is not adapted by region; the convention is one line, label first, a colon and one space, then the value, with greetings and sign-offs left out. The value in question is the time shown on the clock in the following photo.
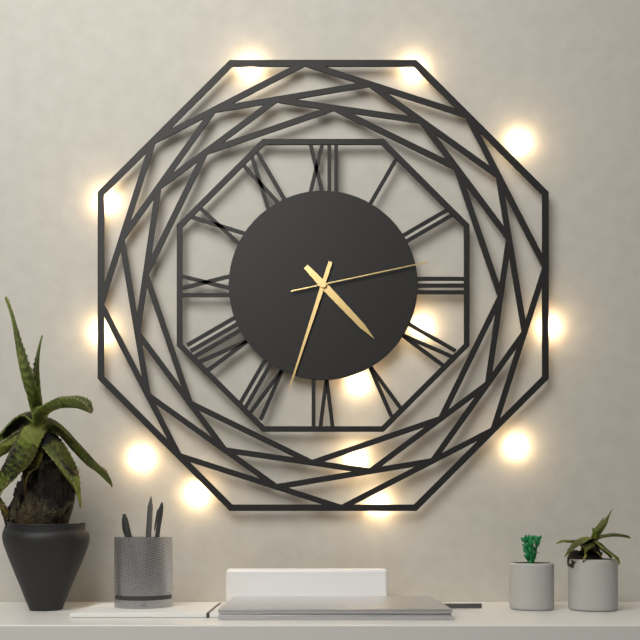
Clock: 4:33:13
